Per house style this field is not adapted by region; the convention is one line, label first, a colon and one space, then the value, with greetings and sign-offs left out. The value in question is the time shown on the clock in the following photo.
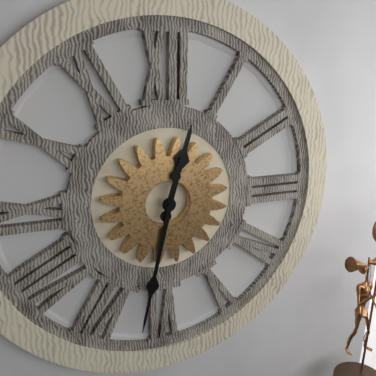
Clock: 12:32
